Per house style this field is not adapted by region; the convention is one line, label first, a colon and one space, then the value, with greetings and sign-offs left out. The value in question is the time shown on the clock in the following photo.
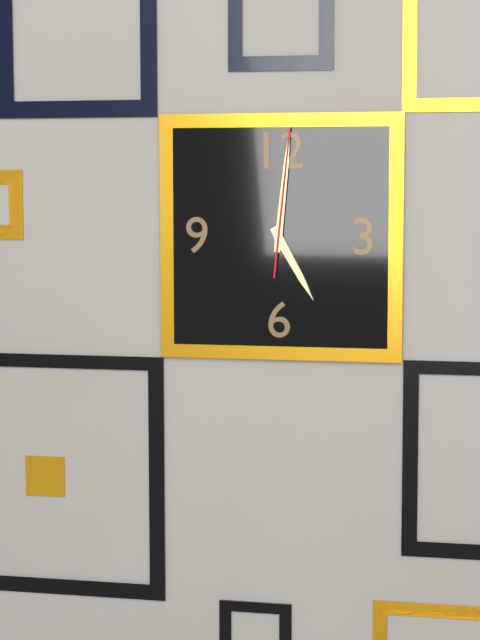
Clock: 5:01:01
